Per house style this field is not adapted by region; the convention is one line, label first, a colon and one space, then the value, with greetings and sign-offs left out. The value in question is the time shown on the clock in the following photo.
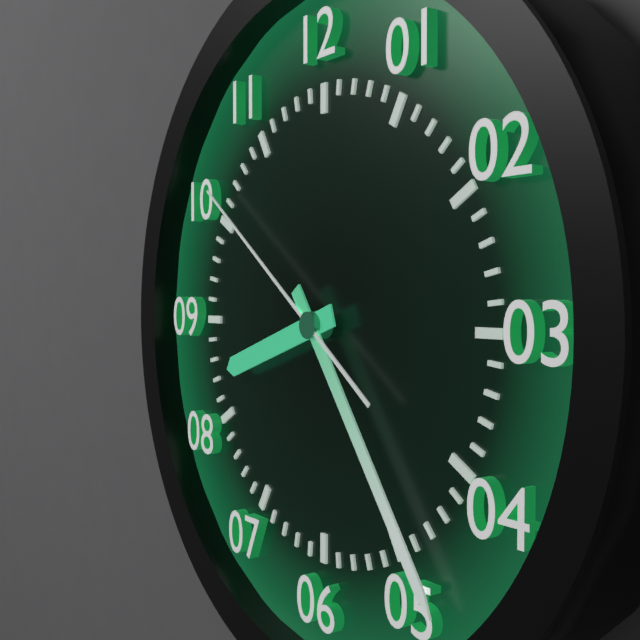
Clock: 8:24:51
